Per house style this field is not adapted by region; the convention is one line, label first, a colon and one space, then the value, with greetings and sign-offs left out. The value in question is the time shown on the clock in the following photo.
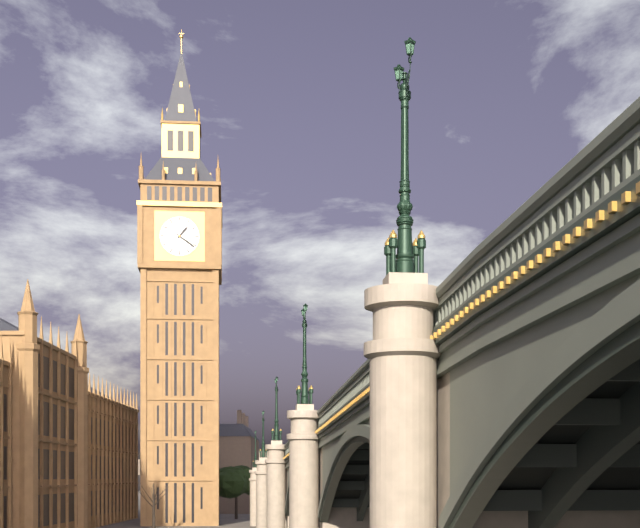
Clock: 1:21
